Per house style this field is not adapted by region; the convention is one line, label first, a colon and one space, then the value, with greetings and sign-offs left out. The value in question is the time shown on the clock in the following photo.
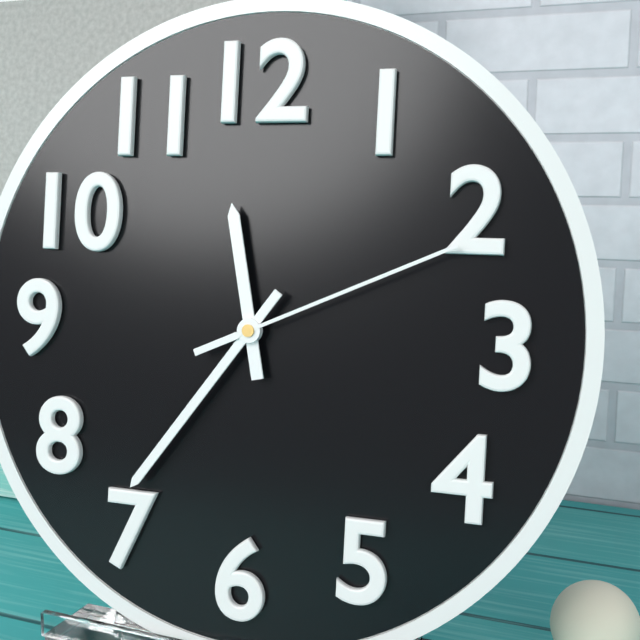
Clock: 11:36:11
